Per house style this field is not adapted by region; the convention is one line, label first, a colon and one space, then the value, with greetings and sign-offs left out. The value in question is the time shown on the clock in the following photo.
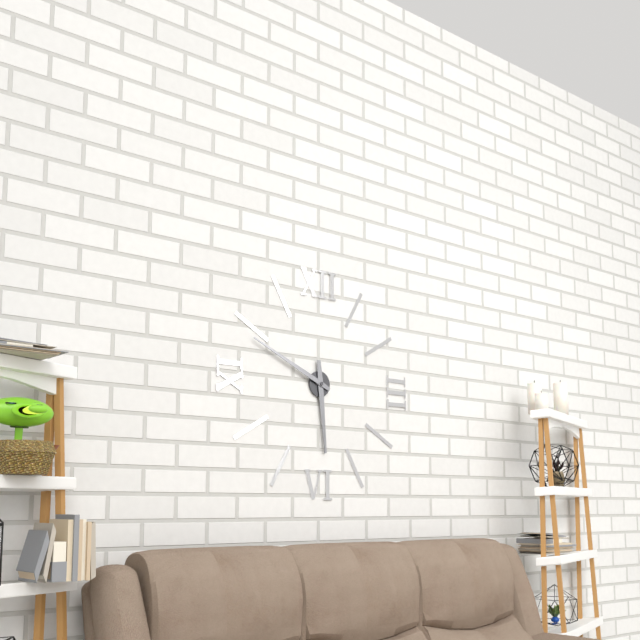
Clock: 5:49
